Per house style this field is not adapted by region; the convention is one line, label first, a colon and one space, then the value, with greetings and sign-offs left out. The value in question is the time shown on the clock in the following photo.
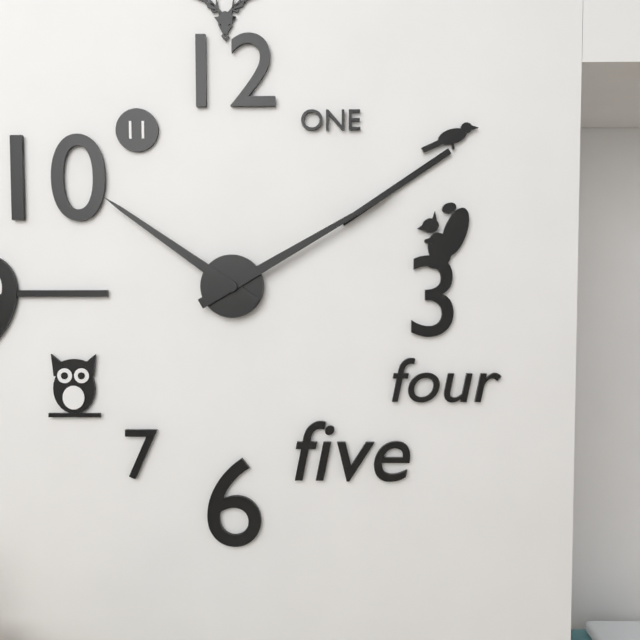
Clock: 10:10
